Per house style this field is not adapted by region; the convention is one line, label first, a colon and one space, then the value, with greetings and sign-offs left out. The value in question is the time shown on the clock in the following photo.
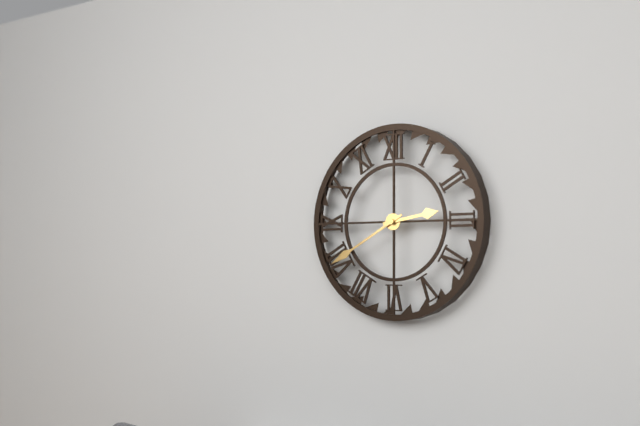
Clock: 2:40
